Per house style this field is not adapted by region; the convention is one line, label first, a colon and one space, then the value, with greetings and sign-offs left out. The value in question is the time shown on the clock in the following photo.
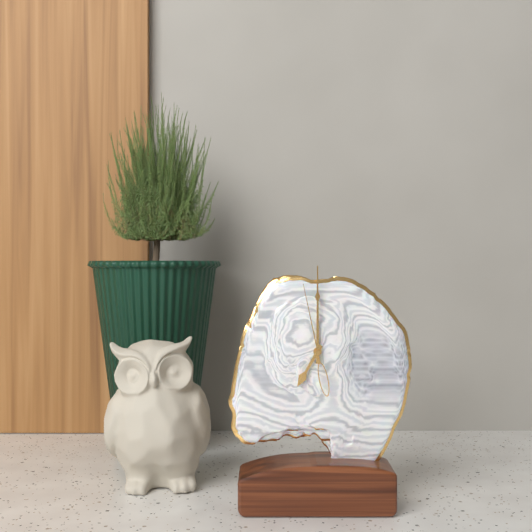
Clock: 7:00:58
